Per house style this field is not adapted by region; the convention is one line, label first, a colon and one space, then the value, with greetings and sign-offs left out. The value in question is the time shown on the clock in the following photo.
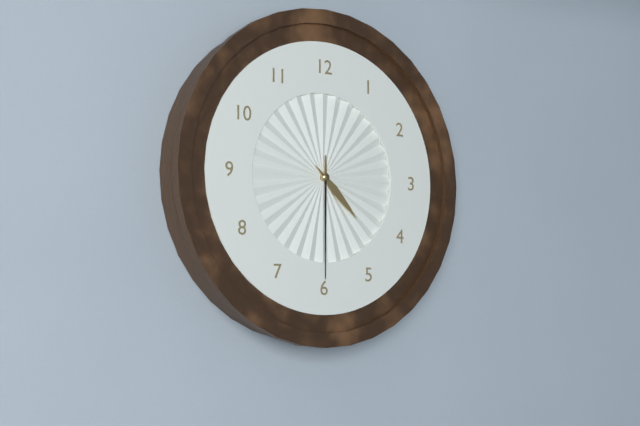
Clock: 4:30
